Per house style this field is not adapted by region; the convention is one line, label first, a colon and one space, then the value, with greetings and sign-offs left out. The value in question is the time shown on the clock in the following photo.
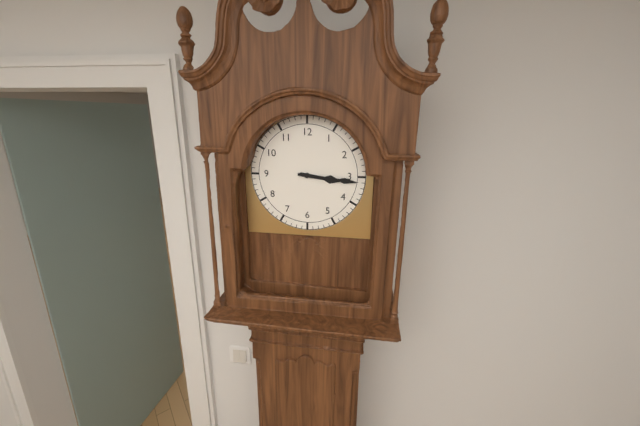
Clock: 3:16
